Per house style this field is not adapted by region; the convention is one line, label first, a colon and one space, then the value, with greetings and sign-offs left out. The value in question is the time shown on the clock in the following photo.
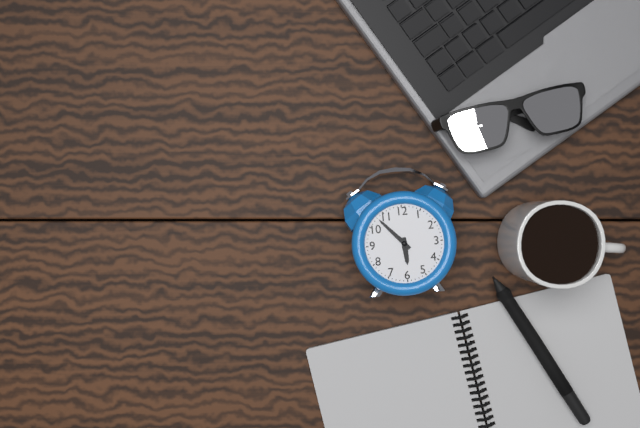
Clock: 5:53
